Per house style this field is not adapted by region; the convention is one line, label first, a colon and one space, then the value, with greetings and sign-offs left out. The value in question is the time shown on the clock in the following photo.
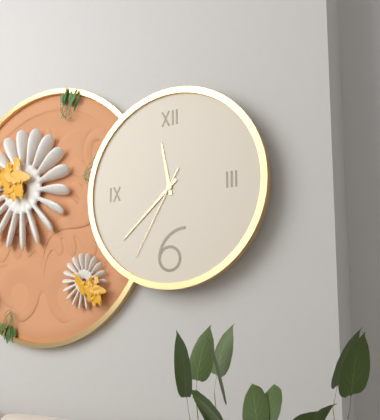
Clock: 11:38:35
